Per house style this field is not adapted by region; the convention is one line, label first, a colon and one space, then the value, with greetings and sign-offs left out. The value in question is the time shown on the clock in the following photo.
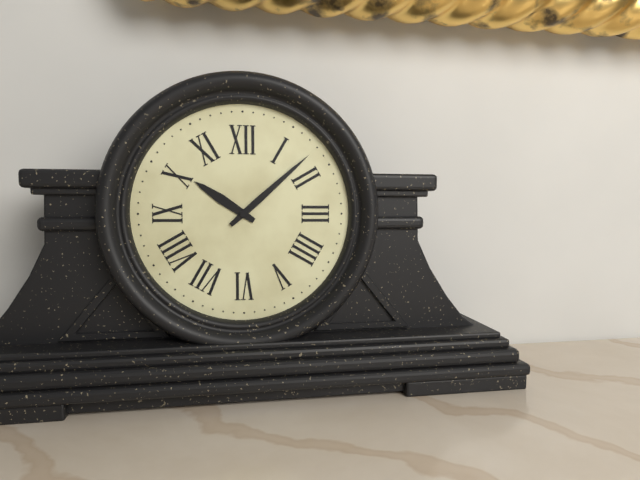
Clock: 10:08
